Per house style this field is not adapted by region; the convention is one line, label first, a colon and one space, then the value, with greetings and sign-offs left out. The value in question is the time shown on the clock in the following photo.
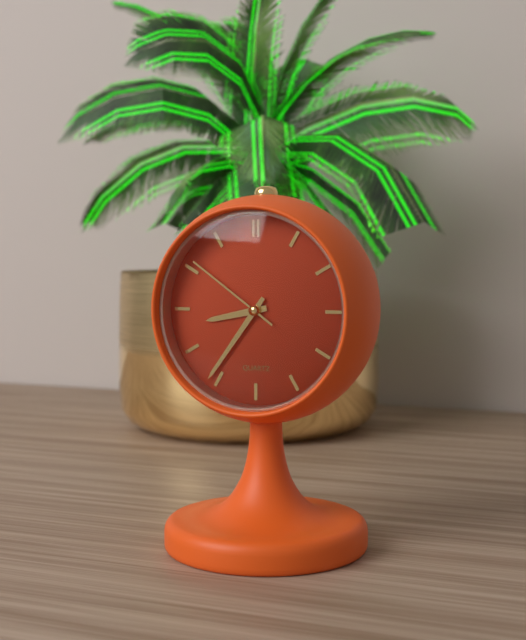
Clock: 8:36:51
